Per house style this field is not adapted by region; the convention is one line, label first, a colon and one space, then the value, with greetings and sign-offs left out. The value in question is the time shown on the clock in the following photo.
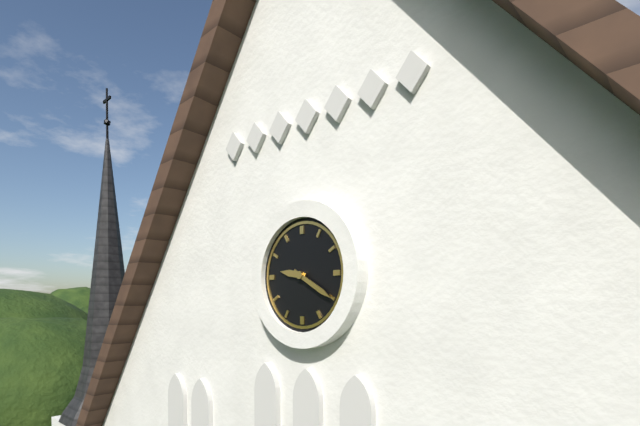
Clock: 9:20
